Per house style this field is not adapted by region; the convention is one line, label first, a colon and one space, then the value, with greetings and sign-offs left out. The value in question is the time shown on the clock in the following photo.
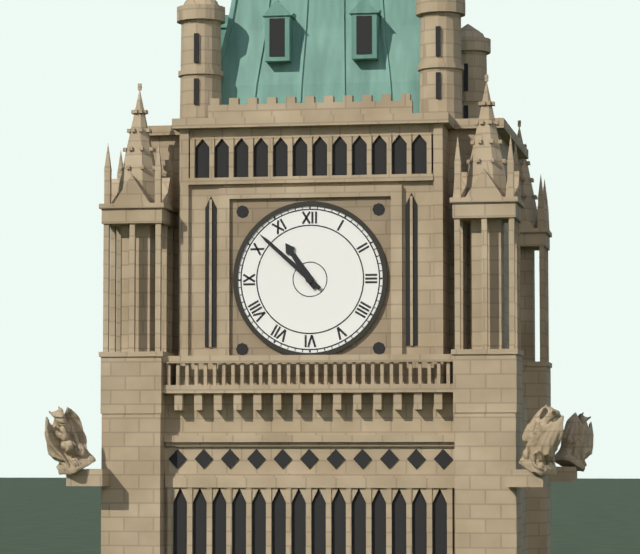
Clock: 10:52
